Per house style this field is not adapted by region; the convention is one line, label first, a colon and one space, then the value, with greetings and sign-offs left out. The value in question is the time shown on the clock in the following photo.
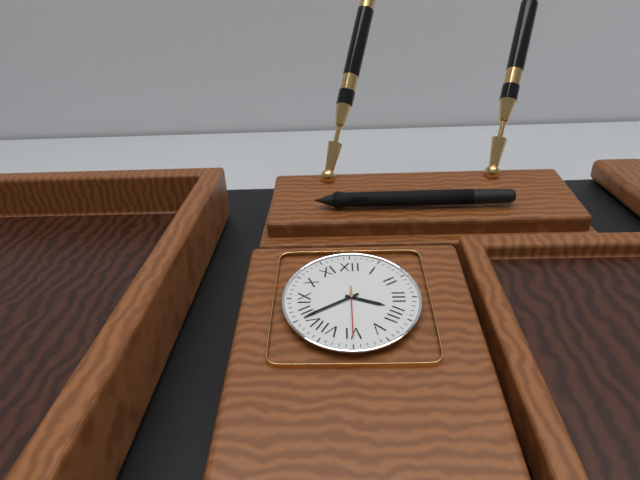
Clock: 3:40:30
